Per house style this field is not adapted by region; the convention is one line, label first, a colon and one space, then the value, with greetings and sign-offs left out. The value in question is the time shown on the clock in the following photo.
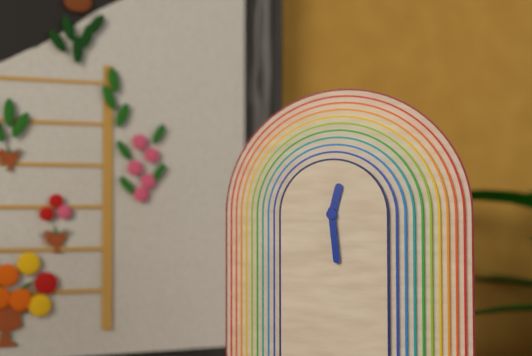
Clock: 12:29
